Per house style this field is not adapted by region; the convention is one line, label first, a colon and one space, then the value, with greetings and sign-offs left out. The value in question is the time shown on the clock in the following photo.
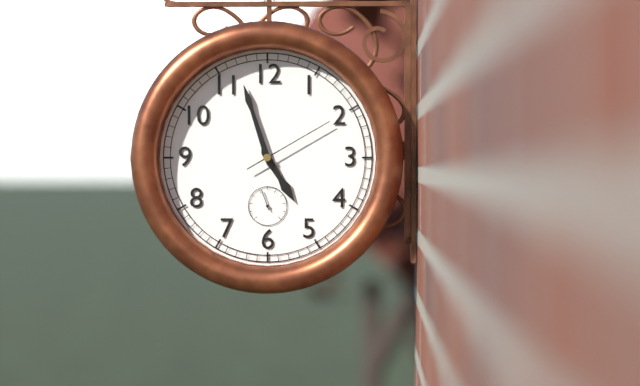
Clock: 4:57:10
